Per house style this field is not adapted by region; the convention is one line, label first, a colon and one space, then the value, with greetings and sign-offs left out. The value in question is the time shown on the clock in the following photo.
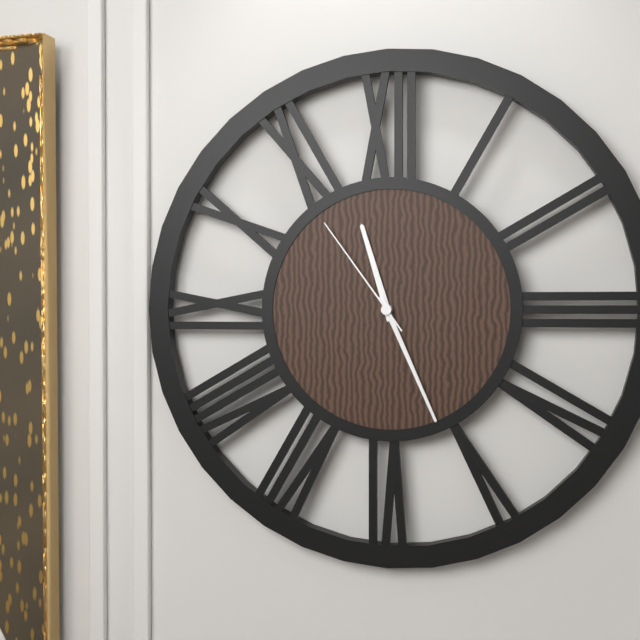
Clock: 11:26:54
